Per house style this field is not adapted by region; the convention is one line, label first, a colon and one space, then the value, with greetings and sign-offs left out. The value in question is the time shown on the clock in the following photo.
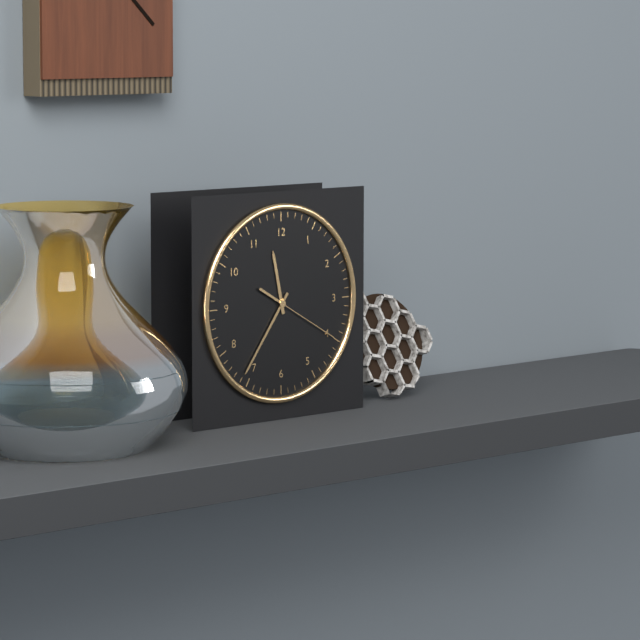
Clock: 11:36:20
